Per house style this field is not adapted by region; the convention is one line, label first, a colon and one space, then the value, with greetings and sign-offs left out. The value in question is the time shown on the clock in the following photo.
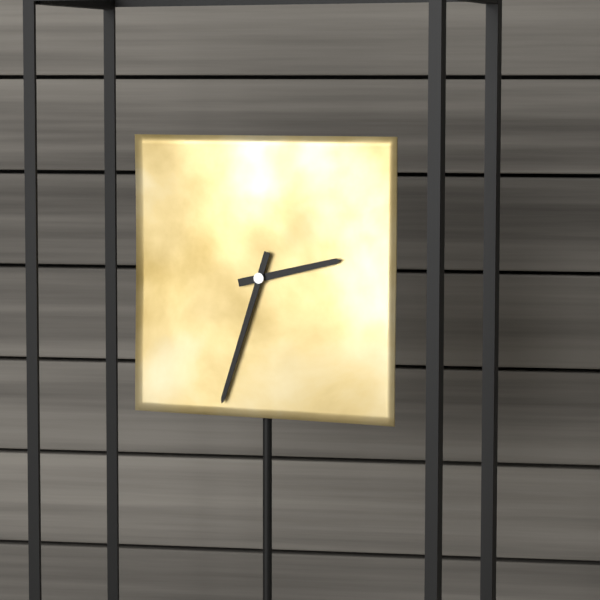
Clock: 2:33
